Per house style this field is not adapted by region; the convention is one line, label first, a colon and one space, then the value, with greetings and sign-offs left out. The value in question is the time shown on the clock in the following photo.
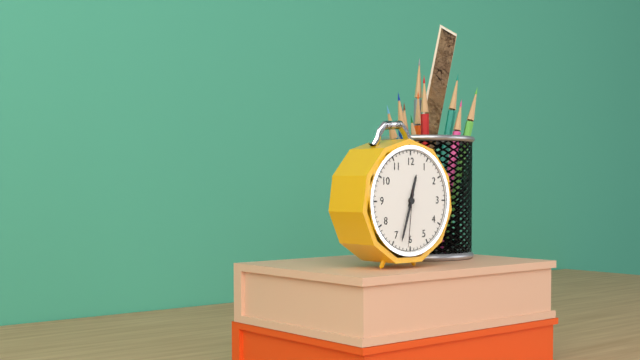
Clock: 12:33:31
